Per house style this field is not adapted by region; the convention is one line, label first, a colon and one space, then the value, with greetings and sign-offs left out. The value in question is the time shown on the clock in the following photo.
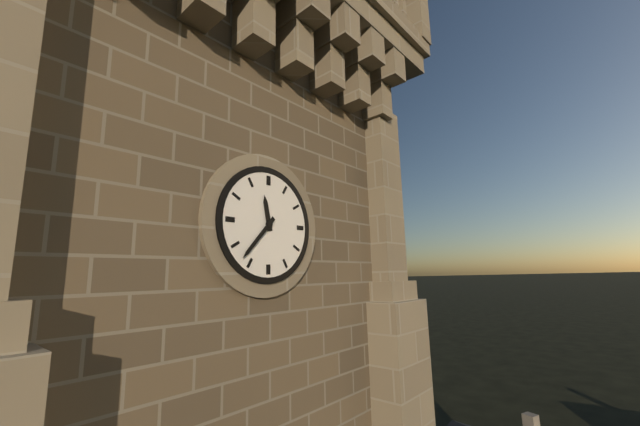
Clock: 11:37
